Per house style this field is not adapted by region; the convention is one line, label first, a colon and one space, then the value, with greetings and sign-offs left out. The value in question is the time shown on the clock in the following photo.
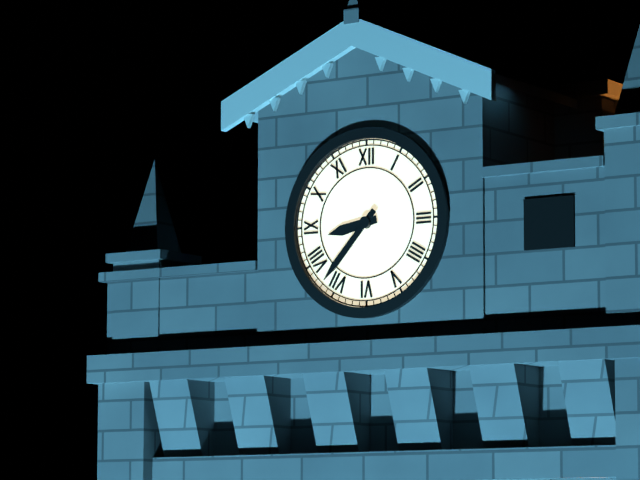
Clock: 8:37
